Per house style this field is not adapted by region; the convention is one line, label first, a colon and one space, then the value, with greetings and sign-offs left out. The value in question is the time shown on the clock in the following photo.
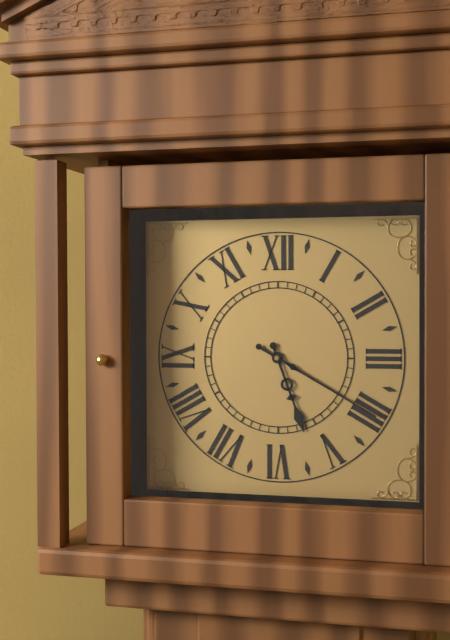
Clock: 5:20
